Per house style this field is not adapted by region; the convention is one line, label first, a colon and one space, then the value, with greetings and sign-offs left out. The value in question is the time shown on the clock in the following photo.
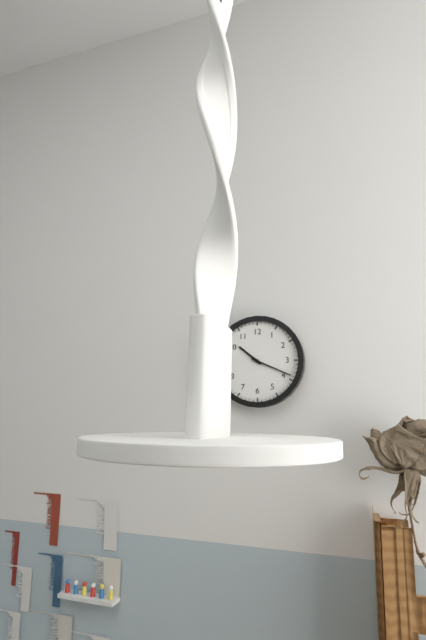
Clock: 10:19
